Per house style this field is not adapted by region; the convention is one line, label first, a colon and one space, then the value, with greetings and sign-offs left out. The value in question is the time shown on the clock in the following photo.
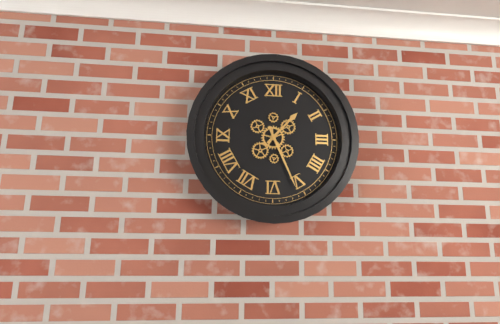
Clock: 1:26
